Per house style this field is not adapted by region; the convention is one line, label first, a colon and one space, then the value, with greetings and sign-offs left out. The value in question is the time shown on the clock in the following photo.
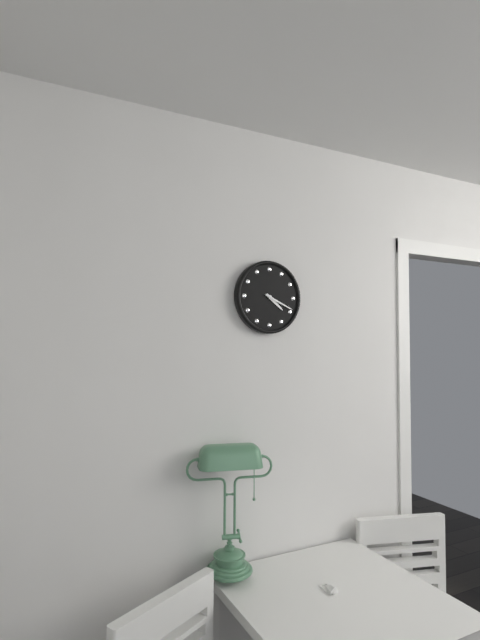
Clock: 4:19
